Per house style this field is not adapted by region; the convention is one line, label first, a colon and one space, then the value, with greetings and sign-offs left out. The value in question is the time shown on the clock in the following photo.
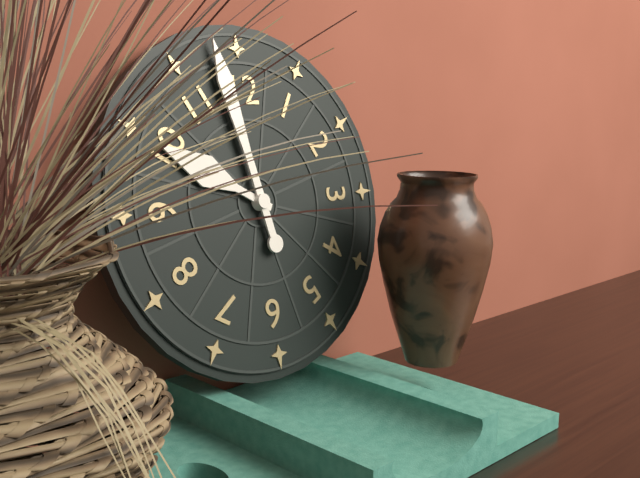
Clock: 9:58
